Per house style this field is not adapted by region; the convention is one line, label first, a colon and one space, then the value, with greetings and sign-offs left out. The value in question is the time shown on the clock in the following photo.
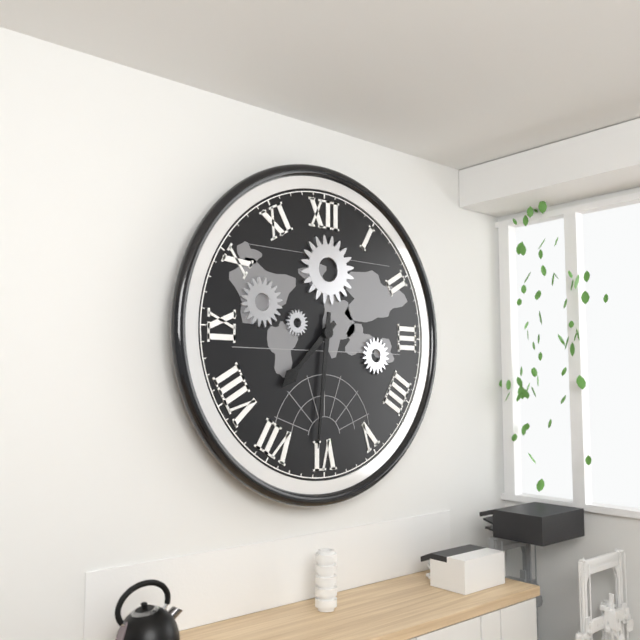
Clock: 7:31
